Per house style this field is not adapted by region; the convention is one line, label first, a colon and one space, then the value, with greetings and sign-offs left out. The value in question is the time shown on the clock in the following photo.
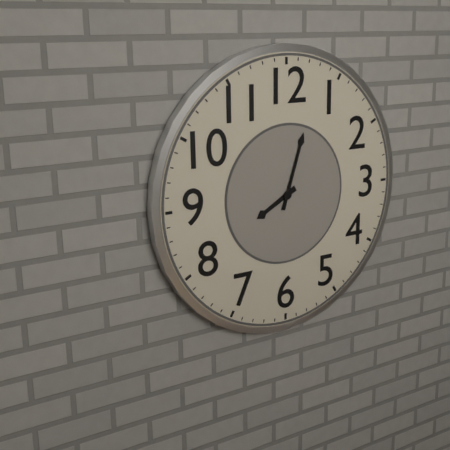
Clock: 8:03
